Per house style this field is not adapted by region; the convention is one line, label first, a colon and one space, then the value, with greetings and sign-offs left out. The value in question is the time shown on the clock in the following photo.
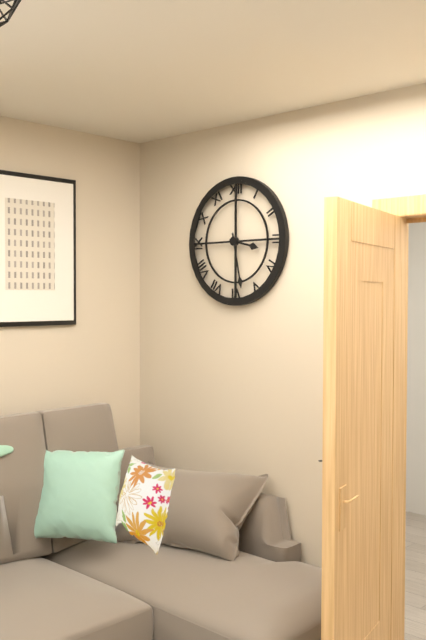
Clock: 3:28
